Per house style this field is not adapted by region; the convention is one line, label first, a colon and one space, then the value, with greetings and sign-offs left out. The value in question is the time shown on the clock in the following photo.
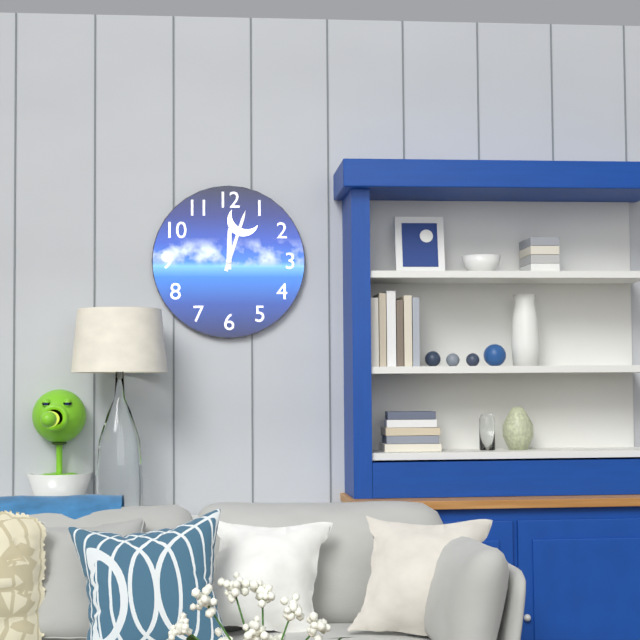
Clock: 12:03
